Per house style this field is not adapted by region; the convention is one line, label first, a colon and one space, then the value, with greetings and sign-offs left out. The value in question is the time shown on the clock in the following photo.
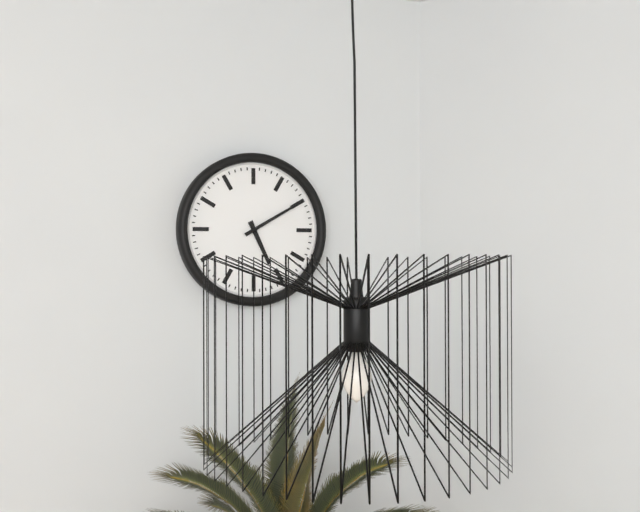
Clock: 5:10
